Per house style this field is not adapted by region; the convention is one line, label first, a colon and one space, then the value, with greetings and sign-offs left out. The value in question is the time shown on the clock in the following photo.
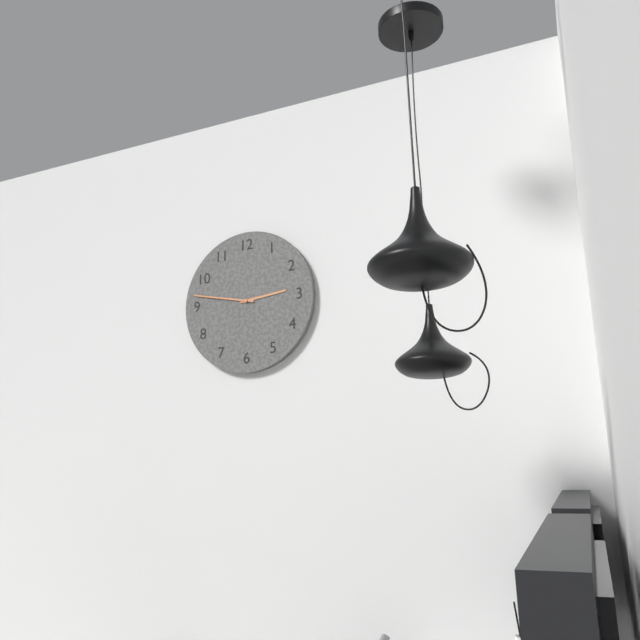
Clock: 2:47
